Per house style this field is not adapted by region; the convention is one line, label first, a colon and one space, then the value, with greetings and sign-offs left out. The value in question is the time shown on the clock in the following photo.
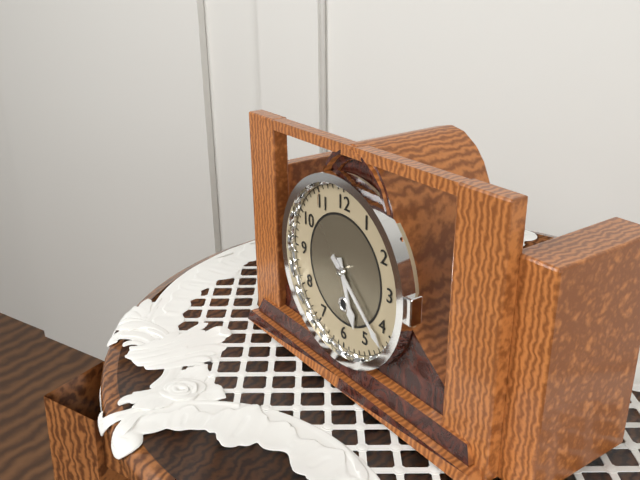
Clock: 5:22
